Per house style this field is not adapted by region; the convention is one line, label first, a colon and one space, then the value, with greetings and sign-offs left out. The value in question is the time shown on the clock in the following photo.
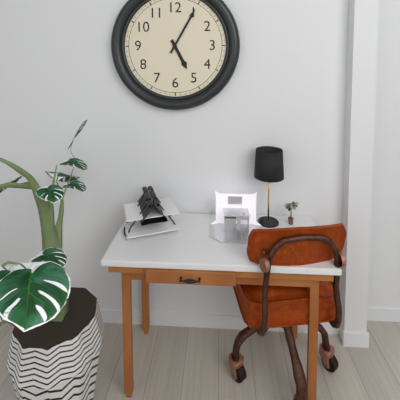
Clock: 5:05
